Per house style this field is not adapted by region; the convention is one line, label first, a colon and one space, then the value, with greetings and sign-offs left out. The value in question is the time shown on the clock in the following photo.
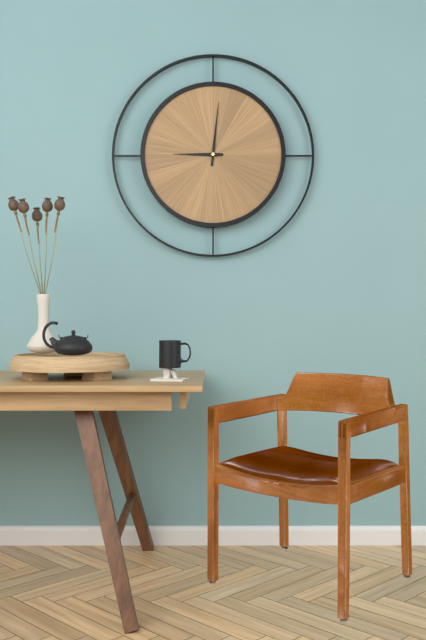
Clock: 9:01
